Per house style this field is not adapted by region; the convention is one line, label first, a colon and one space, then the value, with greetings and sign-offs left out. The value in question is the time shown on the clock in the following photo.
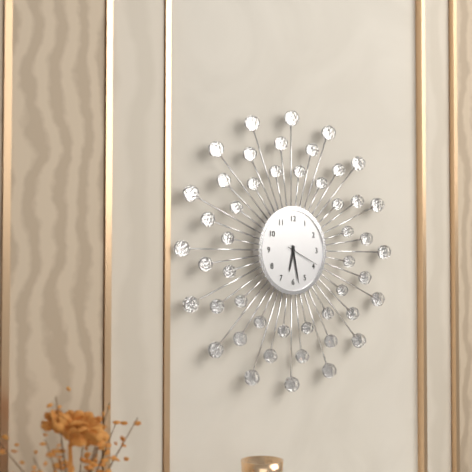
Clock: 6:28
